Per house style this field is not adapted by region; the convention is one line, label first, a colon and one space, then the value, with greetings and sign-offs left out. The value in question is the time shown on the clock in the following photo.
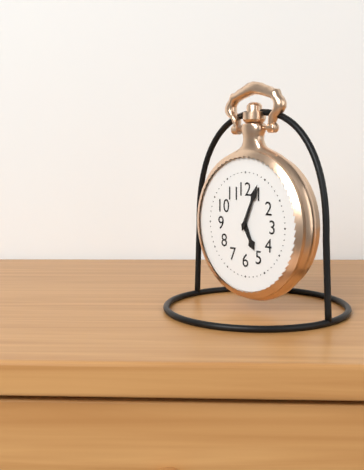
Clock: 5:04
